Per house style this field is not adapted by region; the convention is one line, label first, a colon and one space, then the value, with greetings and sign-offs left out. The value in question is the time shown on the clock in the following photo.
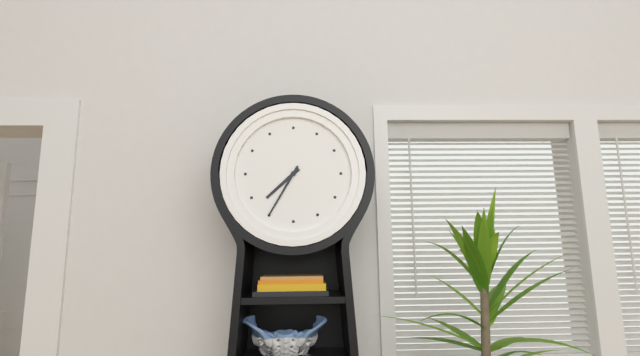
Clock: 7:35
